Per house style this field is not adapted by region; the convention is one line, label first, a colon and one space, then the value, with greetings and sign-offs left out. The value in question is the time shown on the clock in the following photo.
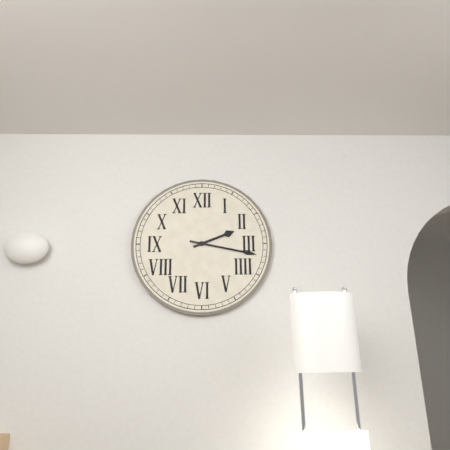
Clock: 2:17
